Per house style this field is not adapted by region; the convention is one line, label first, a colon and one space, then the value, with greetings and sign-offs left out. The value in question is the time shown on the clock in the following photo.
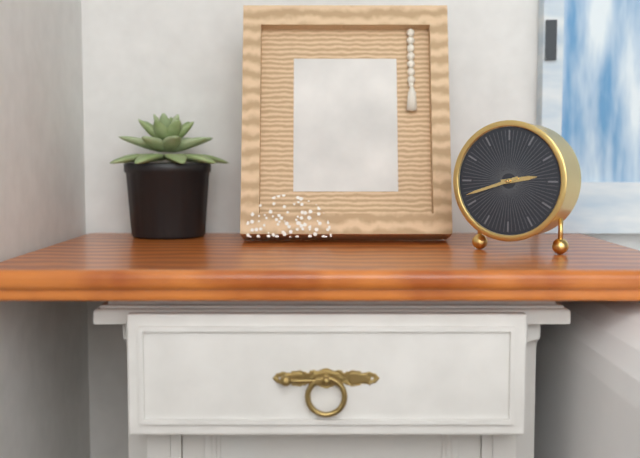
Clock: 2:42
